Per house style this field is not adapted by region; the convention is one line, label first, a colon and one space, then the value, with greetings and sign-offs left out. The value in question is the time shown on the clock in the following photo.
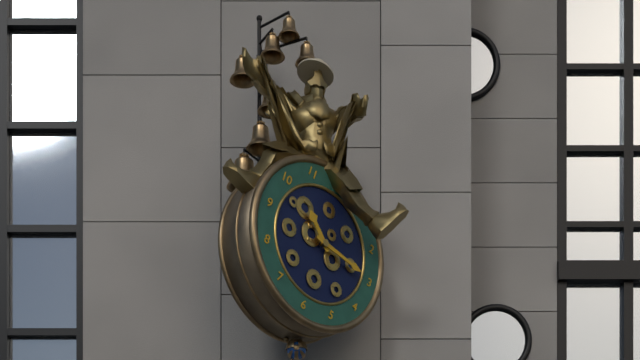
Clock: 10:15
